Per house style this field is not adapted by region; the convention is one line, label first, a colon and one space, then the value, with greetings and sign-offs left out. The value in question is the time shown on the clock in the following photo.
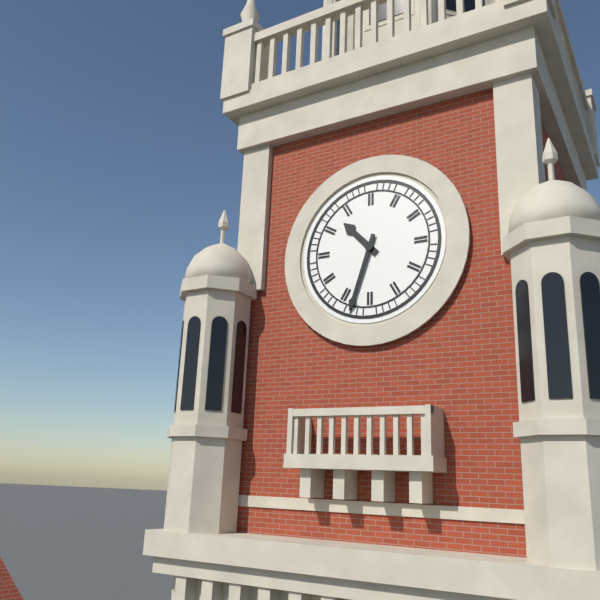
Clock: 10:33
